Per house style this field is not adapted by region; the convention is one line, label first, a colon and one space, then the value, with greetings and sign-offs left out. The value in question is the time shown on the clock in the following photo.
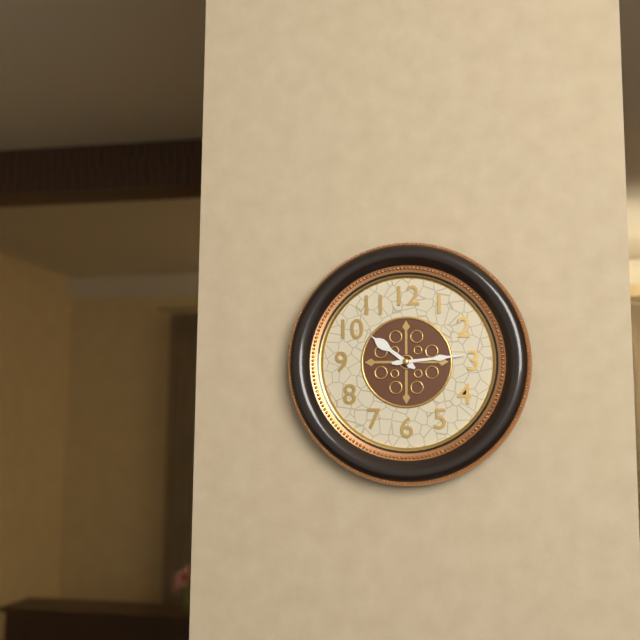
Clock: 10:14
